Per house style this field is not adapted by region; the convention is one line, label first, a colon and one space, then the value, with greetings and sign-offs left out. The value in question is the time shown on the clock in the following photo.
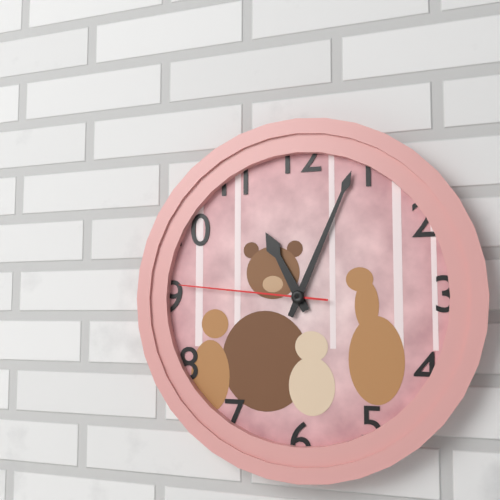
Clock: 11:04:46
